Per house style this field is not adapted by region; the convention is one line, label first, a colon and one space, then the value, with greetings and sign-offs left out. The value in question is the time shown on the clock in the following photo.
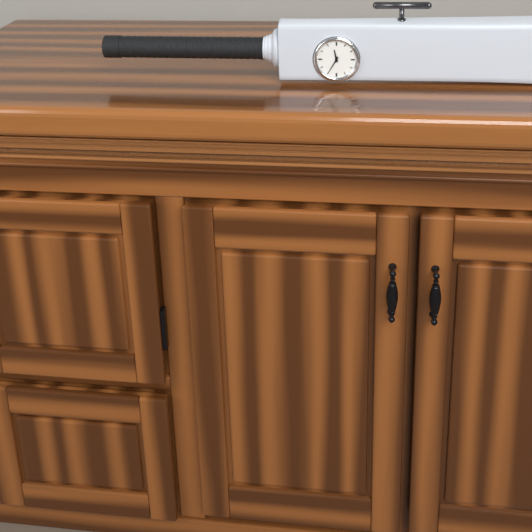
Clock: 11:35
